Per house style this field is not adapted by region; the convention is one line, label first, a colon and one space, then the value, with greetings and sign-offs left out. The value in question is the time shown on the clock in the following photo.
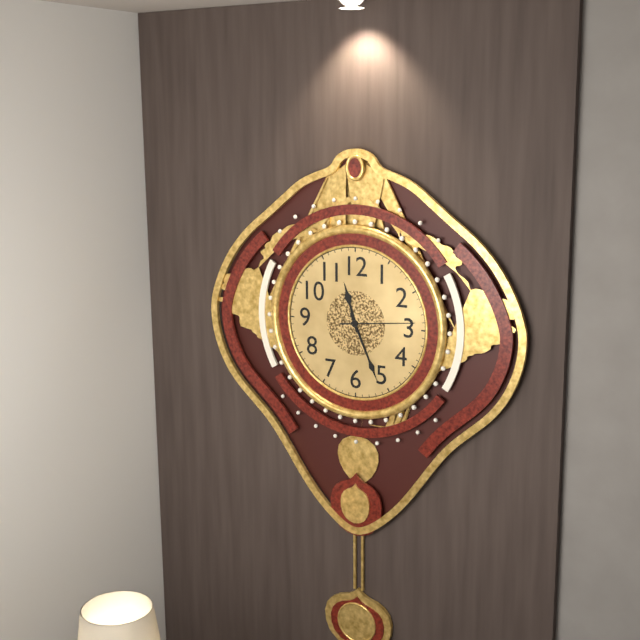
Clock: 11:26:14
